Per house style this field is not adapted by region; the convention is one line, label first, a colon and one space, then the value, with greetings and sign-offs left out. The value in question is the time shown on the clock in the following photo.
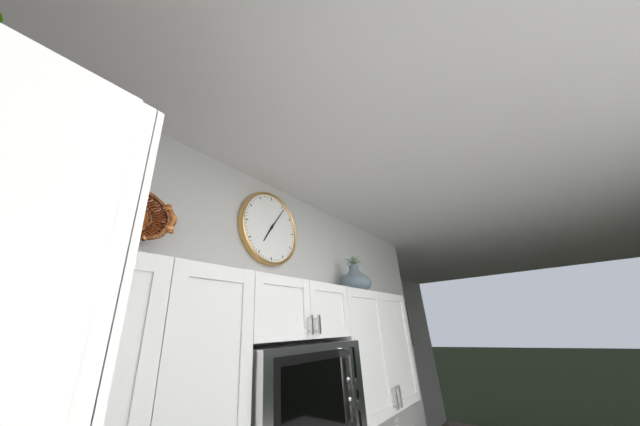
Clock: 7:06
